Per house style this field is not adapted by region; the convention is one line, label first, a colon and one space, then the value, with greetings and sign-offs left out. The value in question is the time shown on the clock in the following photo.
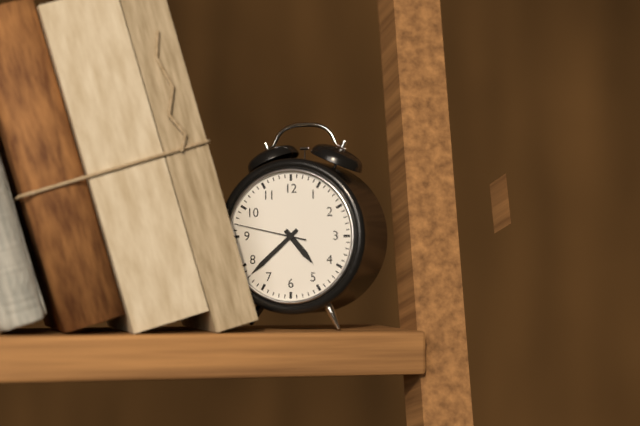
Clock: 4:38:47
